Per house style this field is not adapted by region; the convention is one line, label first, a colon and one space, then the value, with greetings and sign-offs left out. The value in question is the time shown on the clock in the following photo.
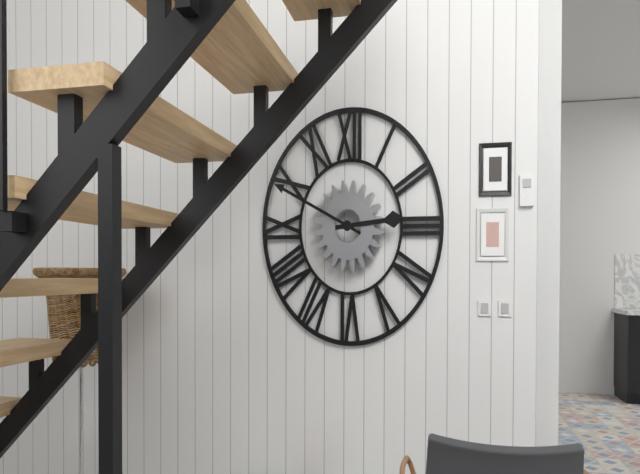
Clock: 2:49
